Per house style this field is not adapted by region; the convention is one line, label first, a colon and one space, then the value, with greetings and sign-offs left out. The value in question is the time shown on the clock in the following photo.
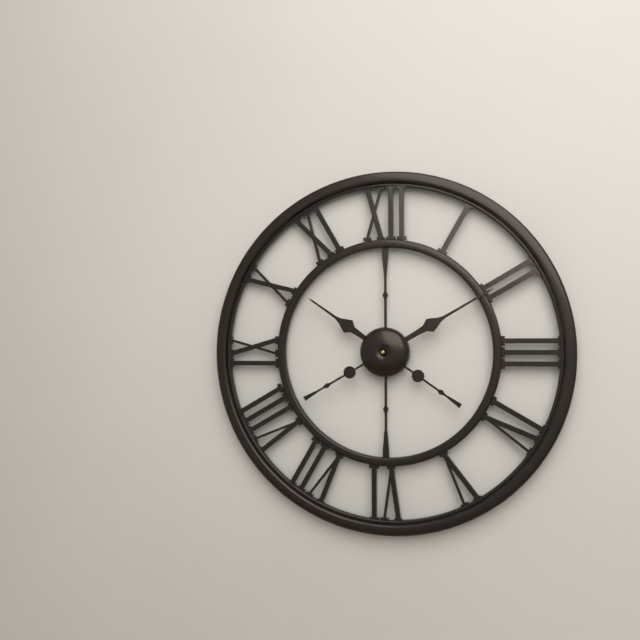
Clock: 10:10
